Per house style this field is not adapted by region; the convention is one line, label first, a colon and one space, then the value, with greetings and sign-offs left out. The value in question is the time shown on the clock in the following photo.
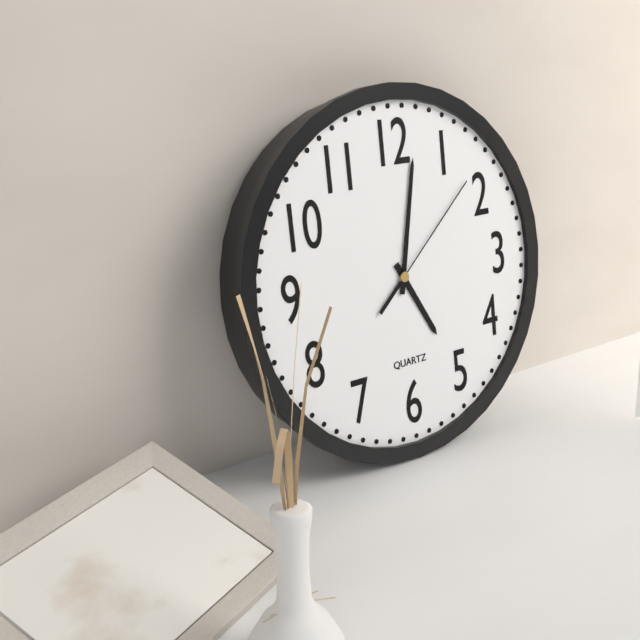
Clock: 5:02:08
